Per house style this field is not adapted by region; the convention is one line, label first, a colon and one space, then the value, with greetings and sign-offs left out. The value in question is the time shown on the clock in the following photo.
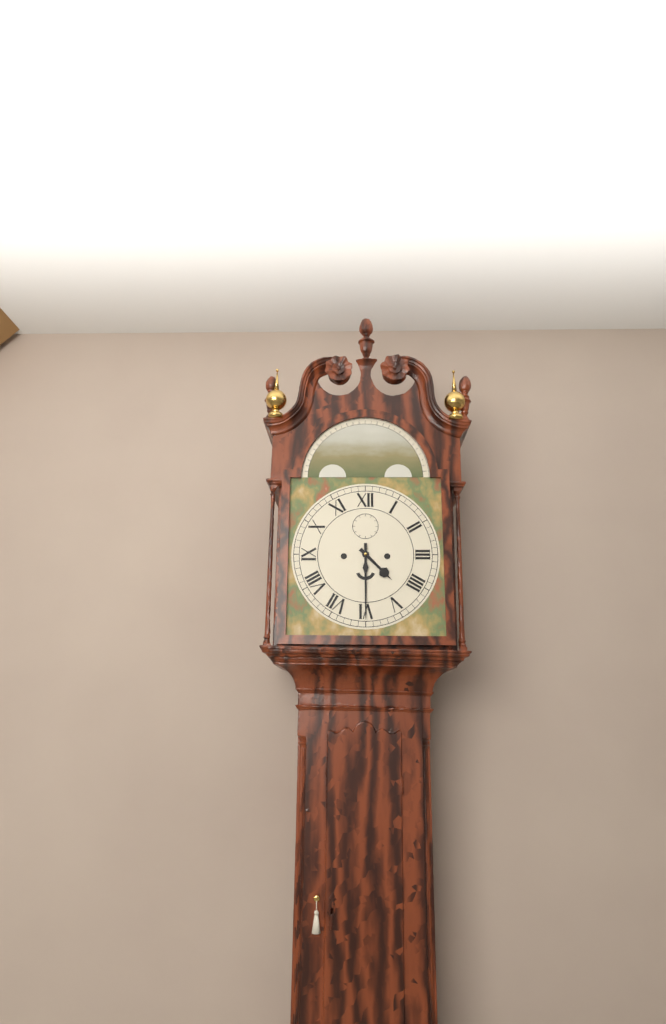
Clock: 4:30
